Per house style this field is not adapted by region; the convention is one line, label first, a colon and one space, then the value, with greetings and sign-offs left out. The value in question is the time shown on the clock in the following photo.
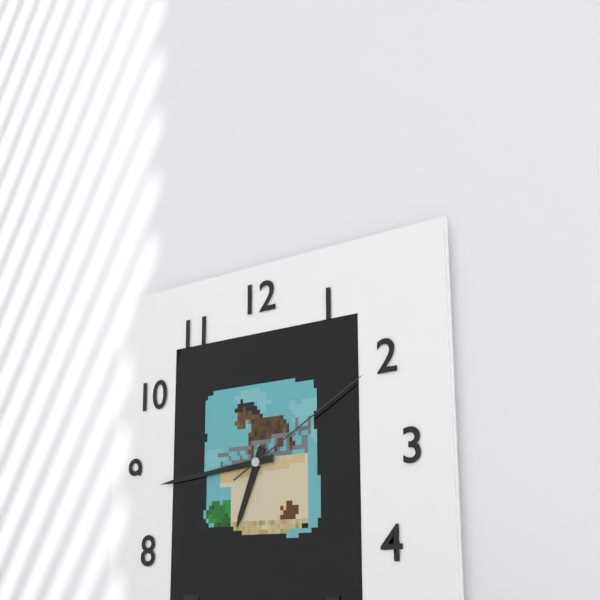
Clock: 6:44:10
